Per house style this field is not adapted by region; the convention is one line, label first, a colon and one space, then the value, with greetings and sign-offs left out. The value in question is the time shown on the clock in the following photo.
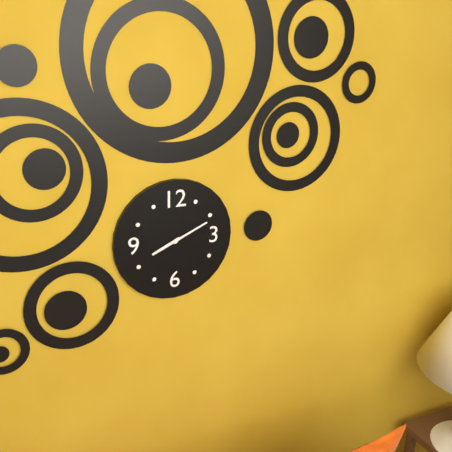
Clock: 8:11
